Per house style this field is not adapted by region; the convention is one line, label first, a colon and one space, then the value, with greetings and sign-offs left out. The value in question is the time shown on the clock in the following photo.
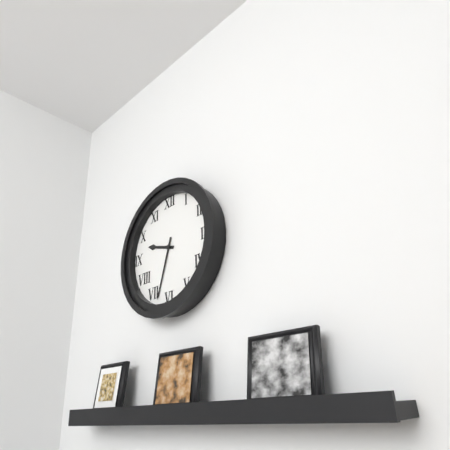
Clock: 9:33
